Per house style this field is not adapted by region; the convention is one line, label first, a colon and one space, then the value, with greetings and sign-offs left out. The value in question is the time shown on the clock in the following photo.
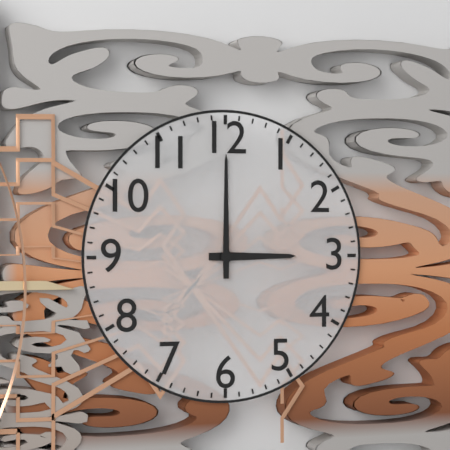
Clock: 3:00
